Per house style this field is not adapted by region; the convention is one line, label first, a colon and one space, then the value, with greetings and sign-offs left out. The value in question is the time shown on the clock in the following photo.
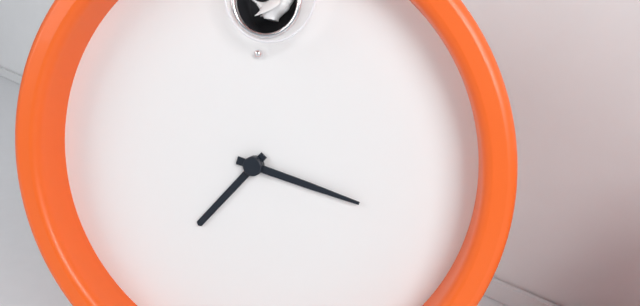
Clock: 7:17
